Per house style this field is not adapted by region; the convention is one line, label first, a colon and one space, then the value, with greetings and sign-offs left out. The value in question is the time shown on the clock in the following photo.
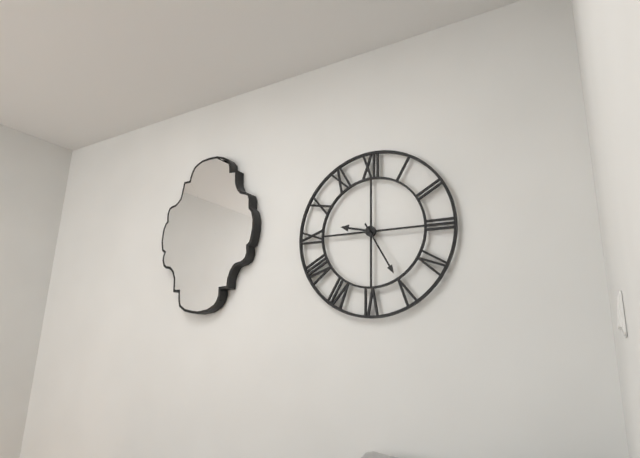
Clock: 9:25
